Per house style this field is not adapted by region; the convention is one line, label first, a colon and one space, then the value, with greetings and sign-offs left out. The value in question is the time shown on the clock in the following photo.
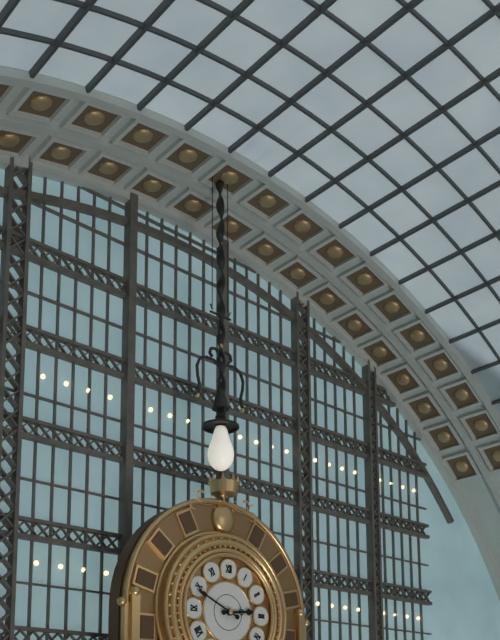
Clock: 2:49
